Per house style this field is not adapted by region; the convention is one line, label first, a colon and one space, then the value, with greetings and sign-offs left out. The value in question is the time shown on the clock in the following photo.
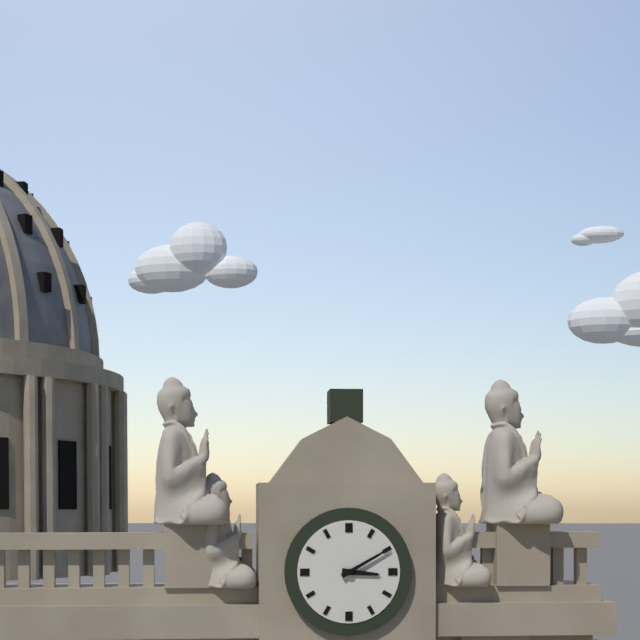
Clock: 3:10
